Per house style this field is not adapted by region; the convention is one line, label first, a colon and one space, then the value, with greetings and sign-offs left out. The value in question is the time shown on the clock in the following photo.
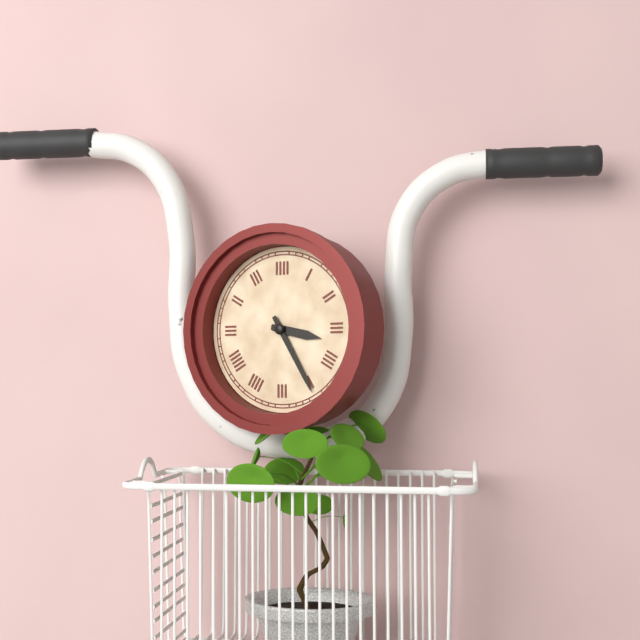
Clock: 3:25
